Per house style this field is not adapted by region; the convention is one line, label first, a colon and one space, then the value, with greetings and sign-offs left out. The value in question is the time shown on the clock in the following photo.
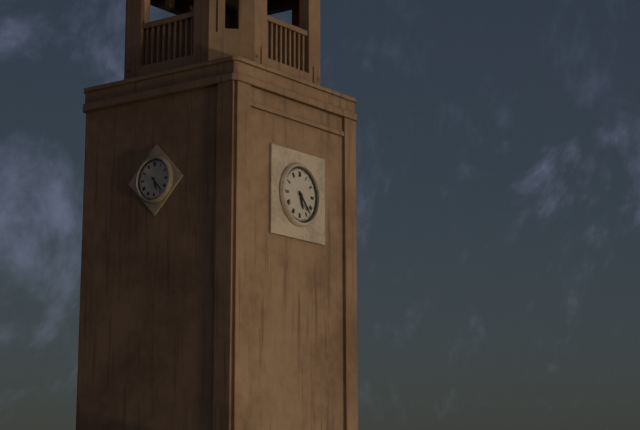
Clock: 5:23
